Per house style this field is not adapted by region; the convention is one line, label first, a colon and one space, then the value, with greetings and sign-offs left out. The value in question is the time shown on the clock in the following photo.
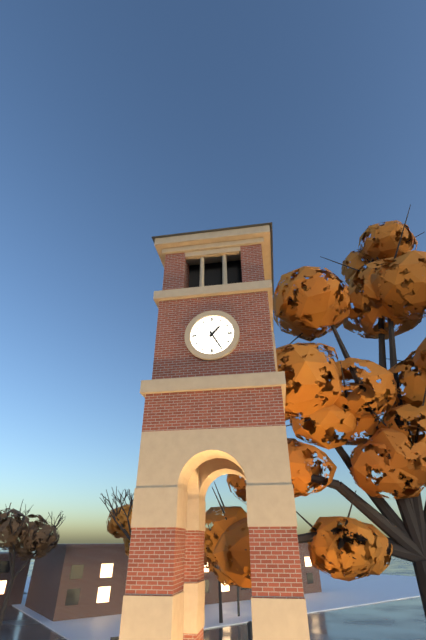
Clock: 1:25
